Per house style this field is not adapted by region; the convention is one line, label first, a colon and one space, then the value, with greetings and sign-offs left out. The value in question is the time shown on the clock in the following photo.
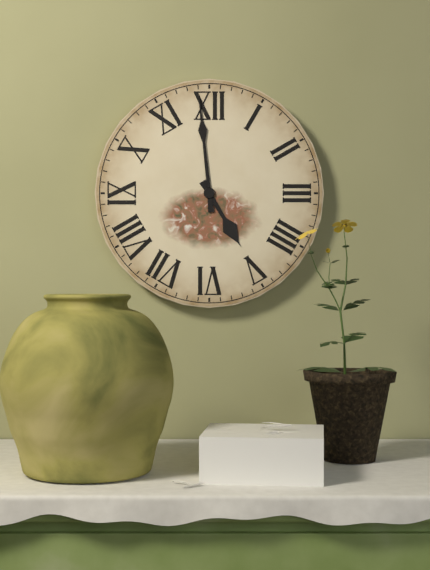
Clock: 4:59
